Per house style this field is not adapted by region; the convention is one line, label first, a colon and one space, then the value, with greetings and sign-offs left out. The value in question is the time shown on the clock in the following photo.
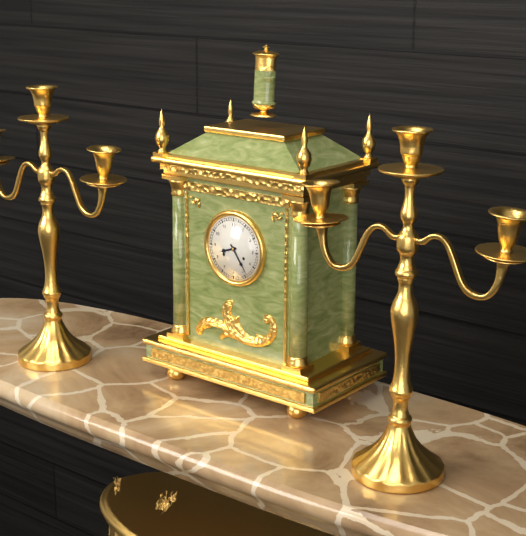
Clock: 8:24
